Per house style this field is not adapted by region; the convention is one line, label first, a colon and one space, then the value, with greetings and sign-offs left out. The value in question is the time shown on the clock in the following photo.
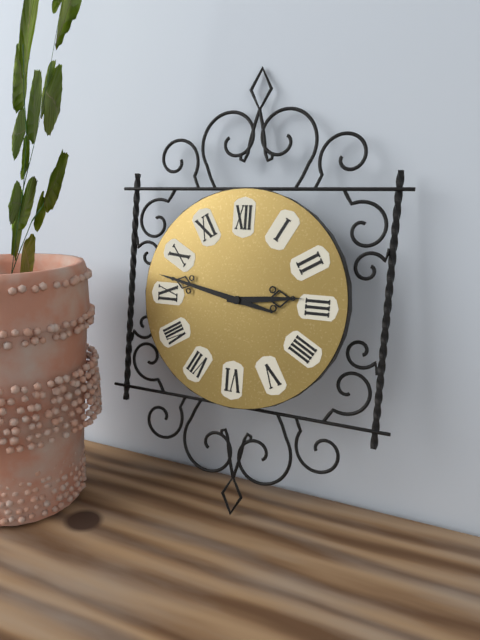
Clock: 2:47
